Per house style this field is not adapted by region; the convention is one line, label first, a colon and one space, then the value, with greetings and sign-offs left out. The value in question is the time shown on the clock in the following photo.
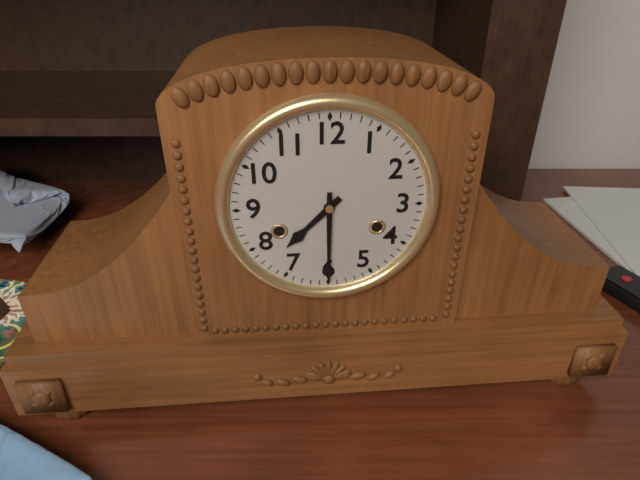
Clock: 7:30
